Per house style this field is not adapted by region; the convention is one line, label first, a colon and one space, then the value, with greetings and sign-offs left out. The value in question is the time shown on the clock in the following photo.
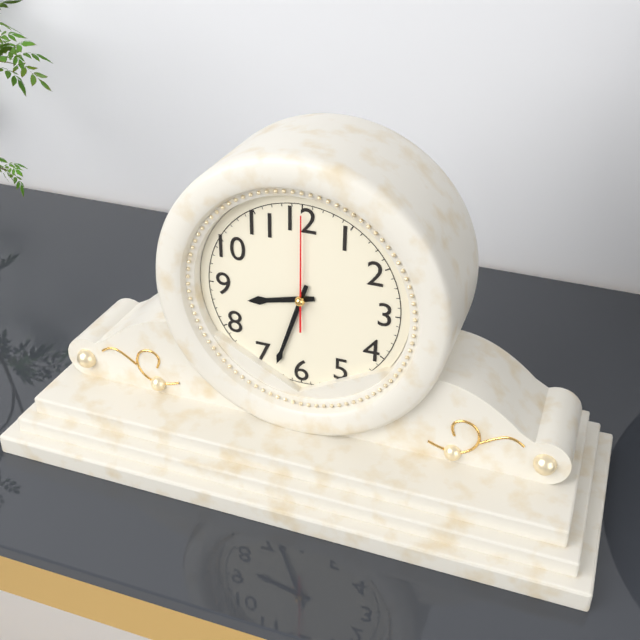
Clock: 8:33:00
